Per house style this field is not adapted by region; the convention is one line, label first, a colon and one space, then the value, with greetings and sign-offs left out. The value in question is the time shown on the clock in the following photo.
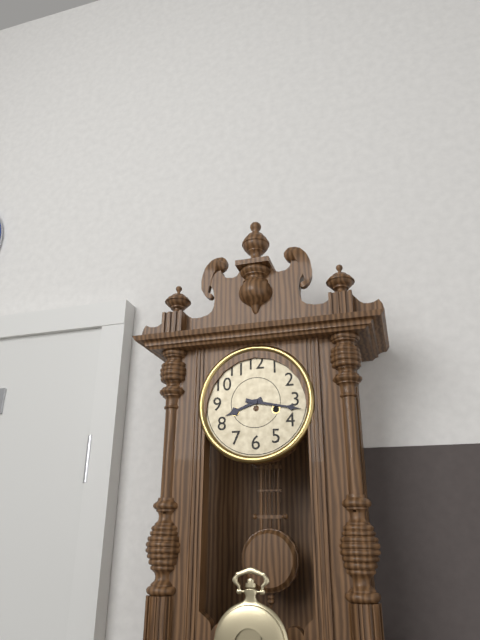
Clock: 8:17
